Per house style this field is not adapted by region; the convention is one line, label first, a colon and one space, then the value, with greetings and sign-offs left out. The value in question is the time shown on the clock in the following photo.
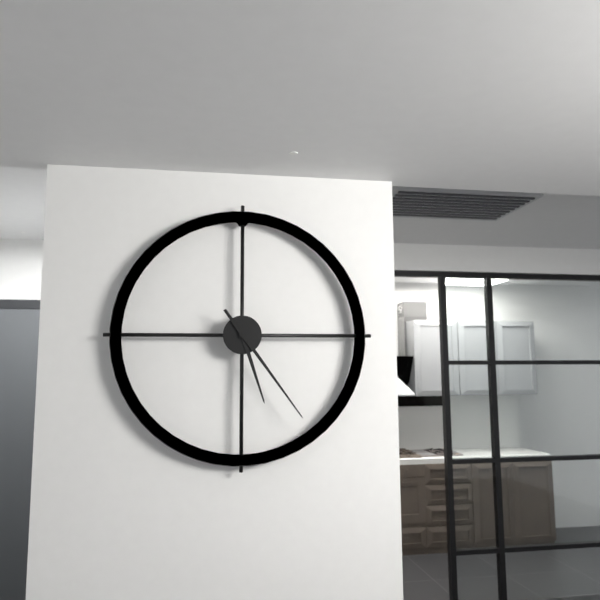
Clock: 5:24
